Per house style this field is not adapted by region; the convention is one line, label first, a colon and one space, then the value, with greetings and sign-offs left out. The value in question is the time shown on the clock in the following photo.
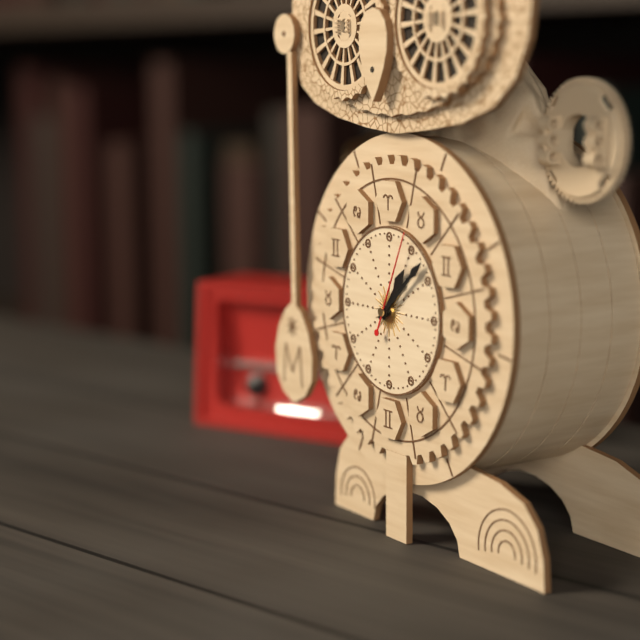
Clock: 1:08:04
